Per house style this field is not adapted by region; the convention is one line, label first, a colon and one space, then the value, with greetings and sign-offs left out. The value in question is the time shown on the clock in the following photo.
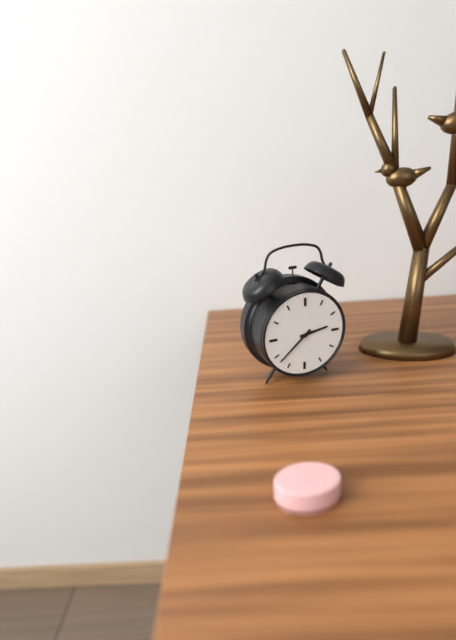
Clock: 2:38
